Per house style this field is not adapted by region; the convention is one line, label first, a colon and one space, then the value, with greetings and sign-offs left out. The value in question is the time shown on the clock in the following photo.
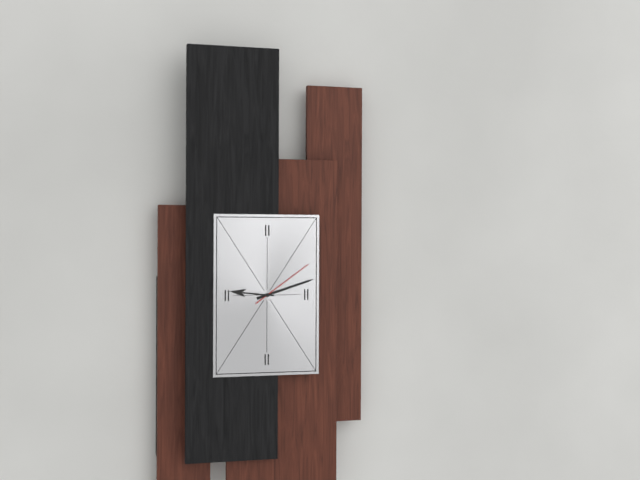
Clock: 9:12:09
